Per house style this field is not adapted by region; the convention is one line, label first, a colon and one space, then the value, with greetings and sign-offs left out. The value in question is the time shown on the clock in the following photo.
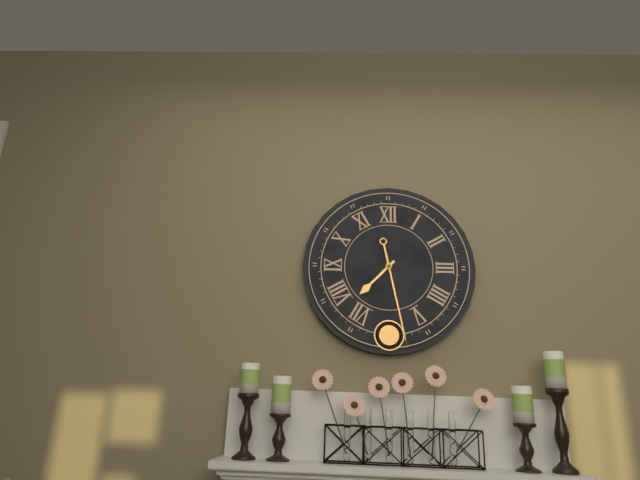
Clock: 7:28
